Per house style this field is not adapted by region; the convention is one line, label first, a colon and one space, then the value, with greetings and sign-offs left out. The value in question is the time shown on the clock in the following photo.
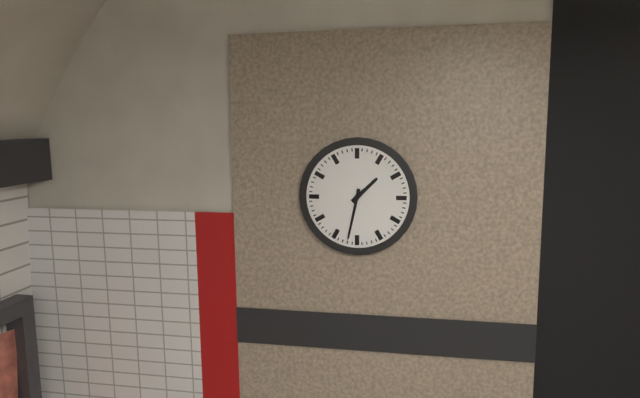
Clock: 1:32
